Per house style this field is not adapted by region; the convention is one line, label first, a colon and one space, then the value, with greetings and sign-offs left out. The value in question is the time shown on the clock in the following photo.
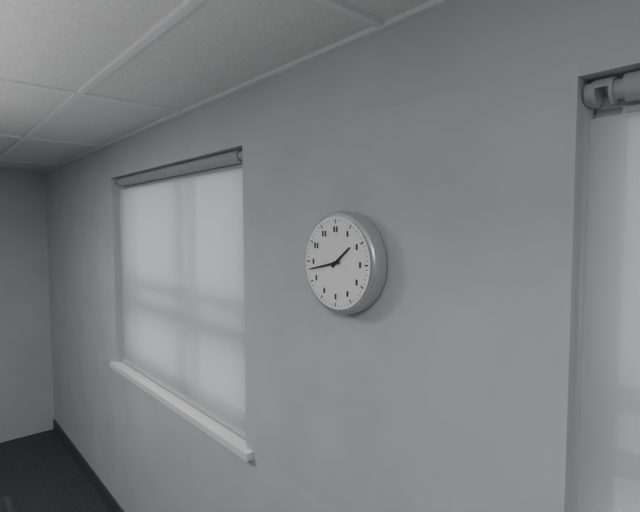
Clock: 1:43
